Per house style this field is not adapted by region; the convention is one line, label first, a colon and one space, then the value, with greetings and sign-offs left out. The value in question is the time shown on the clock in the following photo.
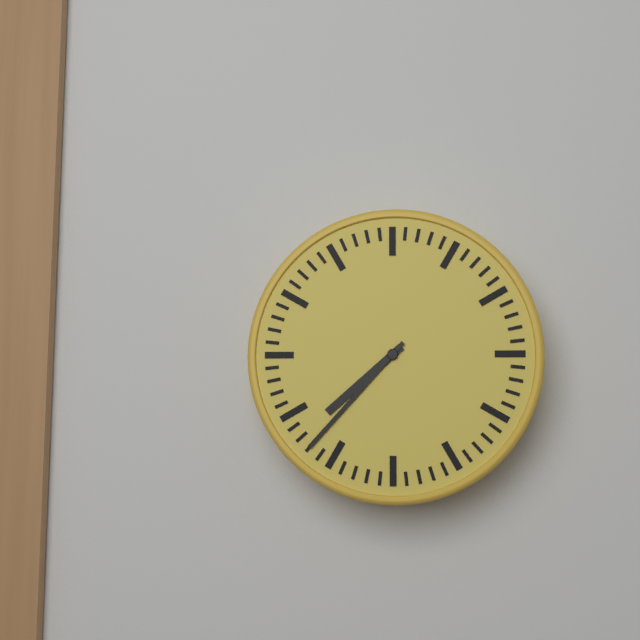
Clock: 7:37
